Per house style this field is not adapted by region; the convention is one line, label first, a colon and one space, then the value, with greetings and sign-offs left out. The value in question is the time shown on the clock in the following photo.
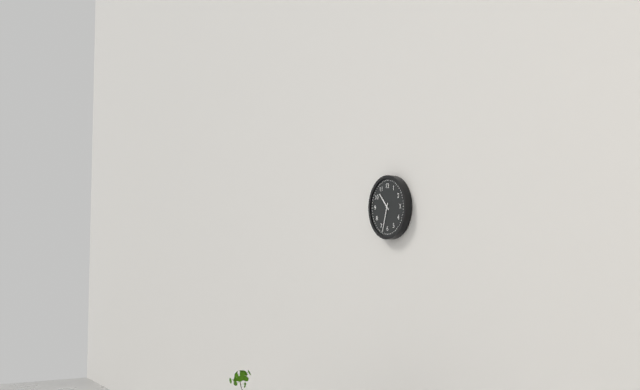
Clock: 10:33
